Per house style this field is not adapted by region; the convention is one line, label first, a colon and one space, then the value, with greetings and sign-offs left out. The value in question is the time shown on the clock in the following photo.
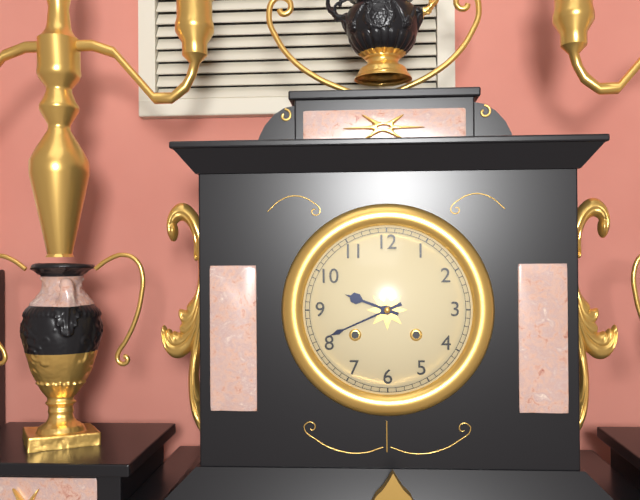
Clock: 9:41
